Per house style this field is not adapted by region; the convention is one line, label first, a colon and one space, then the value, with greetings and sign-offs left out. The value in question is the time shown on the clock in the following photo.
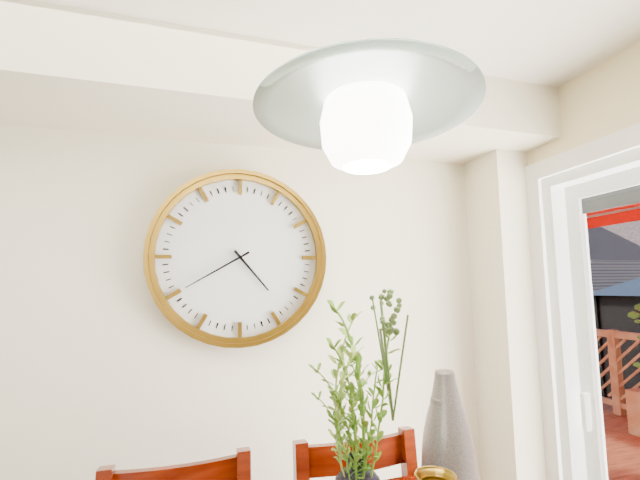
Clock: 4:40
